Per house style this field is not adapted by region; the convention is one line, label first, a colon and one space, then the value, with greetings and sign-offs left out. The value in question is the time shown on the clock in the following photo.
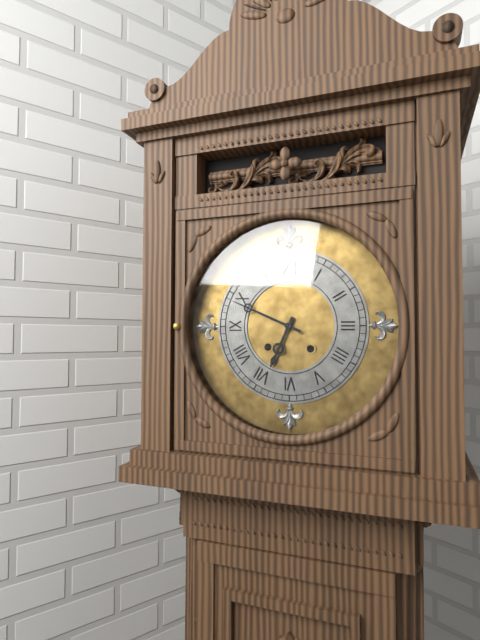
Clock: 6:49
